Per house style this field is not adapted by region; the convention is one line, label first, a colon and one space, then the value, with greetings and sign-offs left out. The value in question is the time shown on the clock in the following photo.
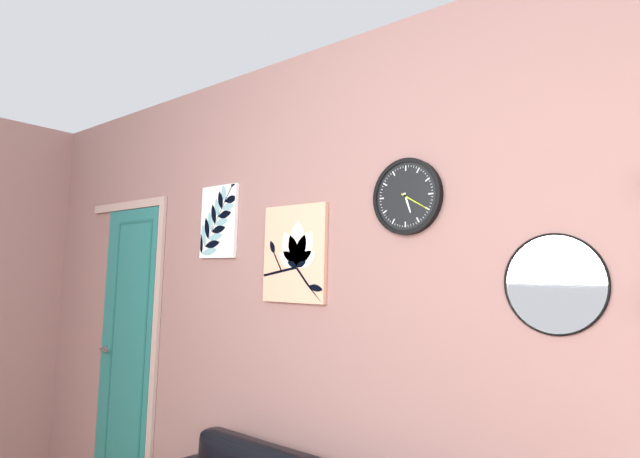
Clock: 5:20
